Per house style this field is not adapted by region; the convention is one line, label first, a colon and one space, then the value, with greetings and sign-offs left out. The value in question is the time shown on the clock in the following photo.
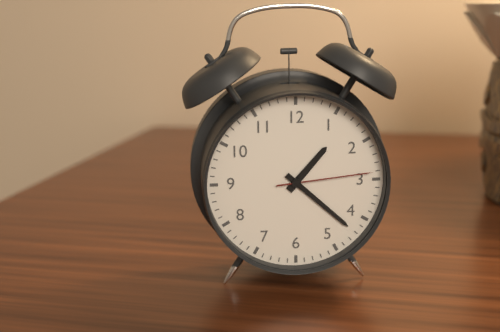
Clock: 1:22:14
